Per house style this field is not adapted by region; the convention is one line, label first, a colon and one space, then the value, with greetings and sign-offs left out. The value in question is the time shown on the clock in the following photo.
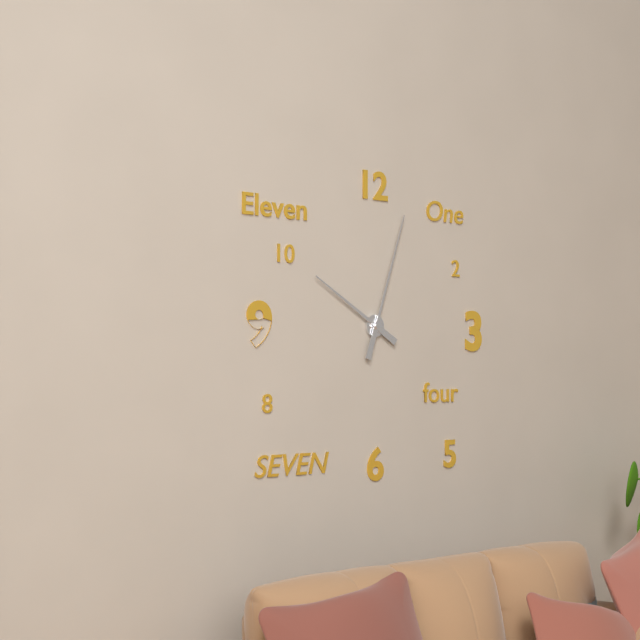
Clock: 10:03
